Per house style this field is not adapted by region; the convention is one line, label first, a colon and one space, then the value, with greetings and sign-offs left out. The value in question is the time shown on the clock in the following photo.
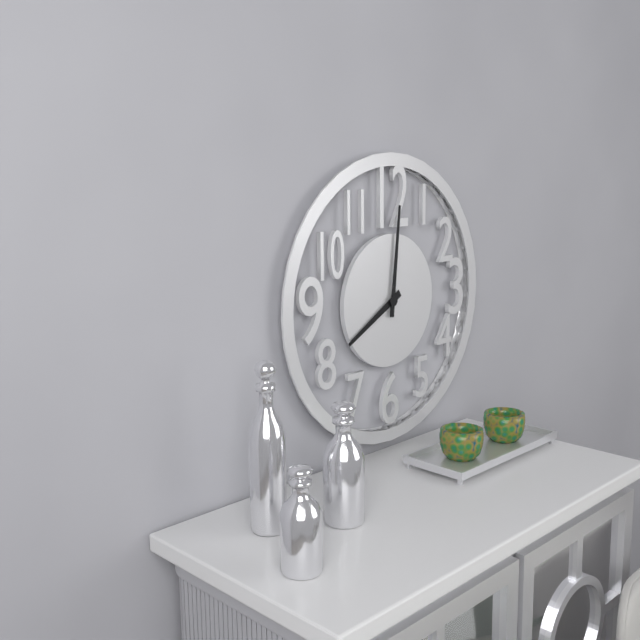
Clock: 8:01
